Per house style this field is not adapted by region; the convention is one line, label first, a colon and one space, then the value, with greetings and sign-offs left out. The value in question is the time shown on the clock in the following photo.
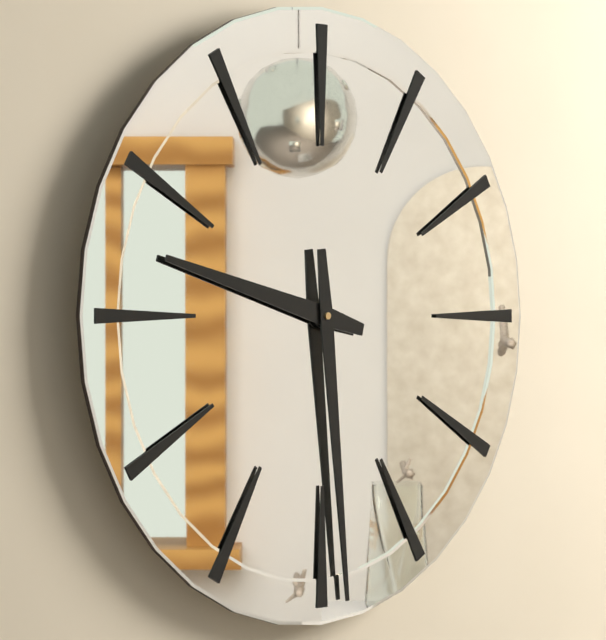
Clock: 9:29
